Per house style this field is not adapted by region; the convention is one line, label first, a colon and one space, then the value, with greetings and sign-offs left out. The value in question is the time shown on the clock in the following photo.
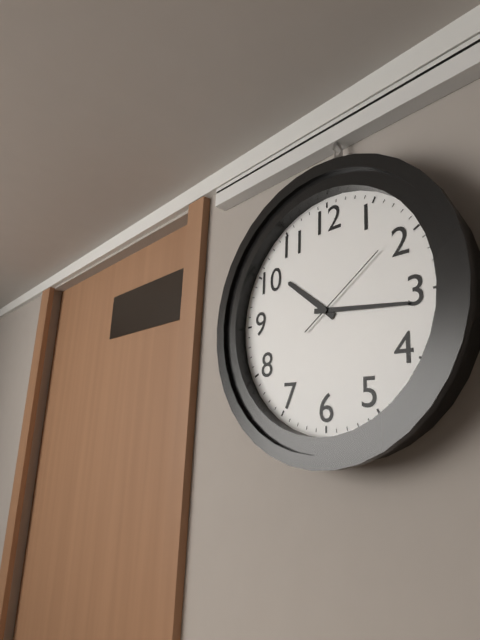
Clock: 10:16:09
